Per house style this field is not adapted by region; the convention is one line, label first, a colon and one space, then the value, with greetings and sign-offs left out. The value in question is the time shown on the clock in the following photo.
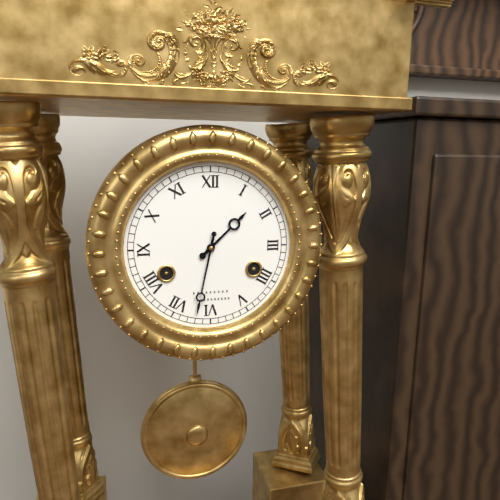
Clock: 1:32
